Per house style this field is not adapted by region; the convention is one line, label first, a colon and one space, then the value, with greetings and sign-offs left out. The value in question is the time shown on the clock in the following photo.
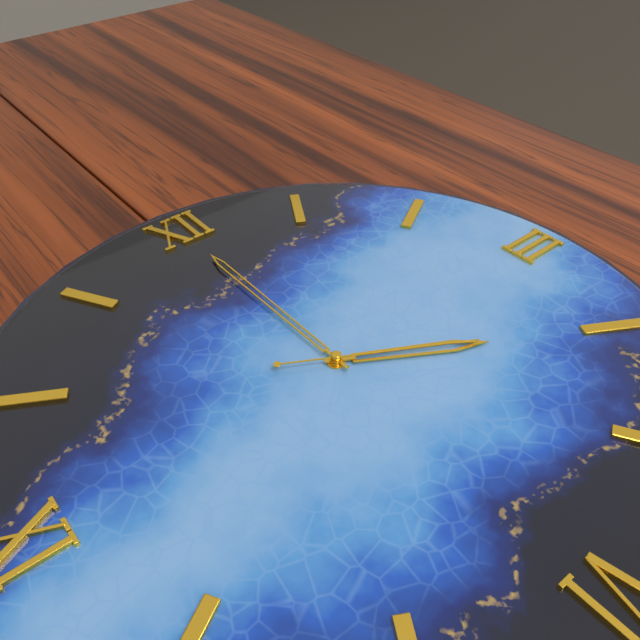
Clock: 4:00:20
